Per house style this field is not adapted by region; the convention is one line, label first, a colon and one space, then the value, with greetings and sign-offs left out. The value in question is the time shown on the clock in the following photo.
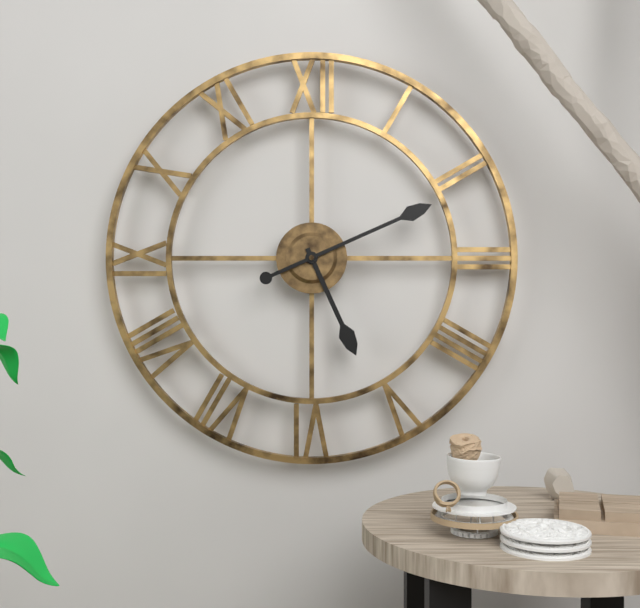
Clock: 5:11
